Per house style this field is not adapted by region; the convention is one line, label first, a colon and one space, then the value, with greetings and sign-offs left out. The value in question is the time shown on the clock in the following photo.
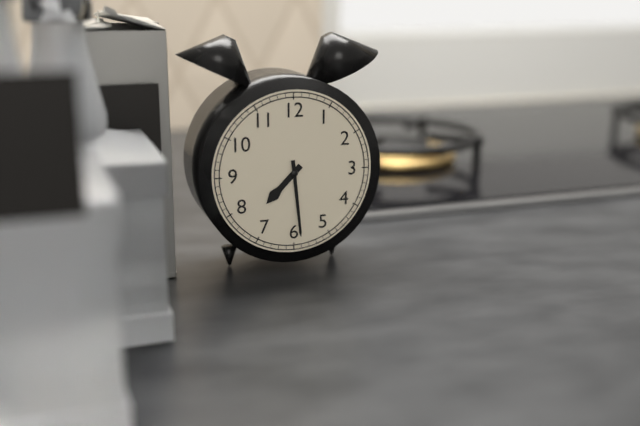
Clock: 7:29
